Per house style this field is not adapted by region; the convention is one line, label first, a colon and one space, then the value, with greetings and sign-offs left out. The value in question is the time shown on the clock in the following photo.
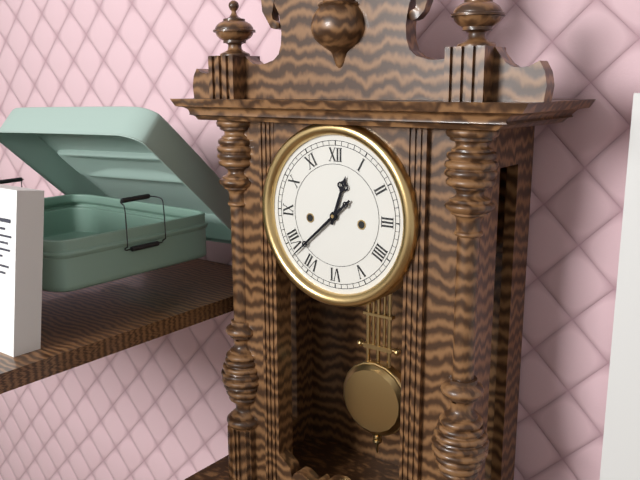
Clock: 12:38
